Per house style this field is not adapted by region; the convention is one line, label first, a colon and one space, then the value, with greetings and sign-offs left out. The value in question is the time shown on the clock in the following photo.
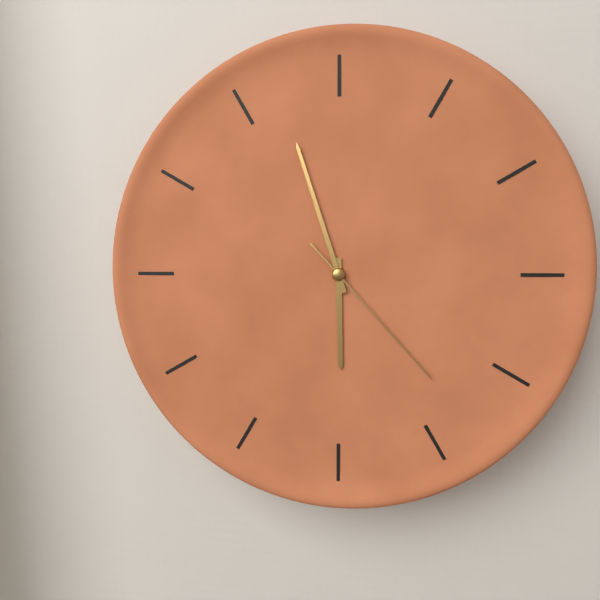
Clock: 5:57:23
